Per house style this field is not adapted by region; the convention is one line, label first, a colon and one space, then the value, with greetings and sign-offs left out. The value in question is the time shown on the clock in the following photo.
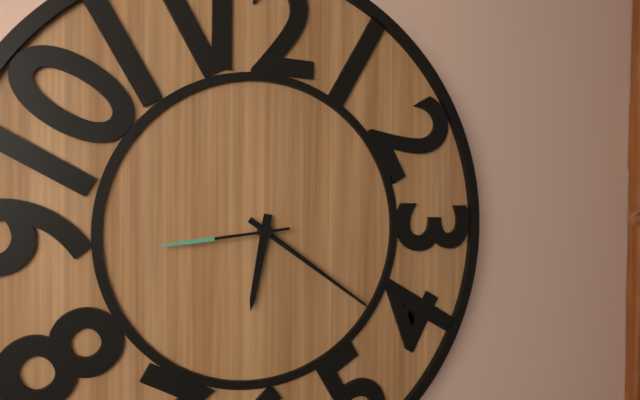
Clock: 6:21:44
